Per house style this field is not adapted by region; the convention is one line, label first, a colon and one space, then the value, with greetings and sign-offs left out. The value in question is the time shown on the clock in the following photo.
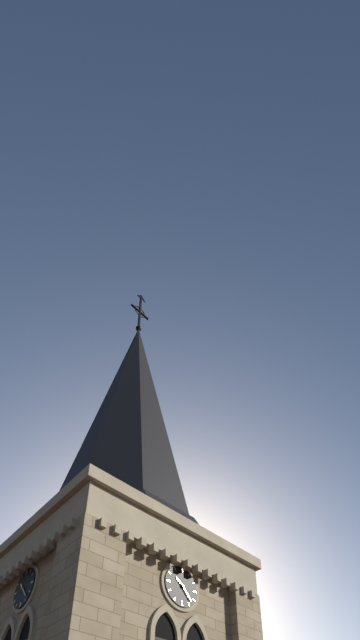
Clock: 10:23
